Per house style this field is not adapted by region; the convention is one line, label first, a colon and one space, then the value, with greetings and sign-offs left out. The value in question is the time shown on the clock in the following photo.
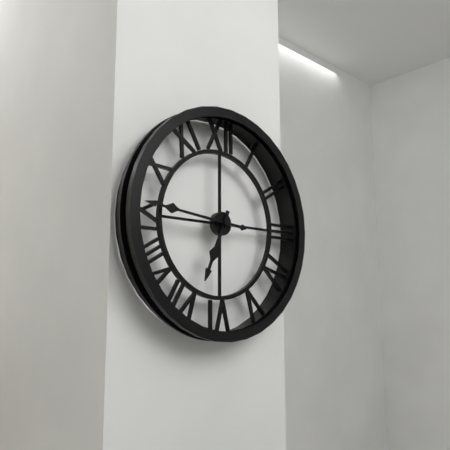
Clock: 6:46
